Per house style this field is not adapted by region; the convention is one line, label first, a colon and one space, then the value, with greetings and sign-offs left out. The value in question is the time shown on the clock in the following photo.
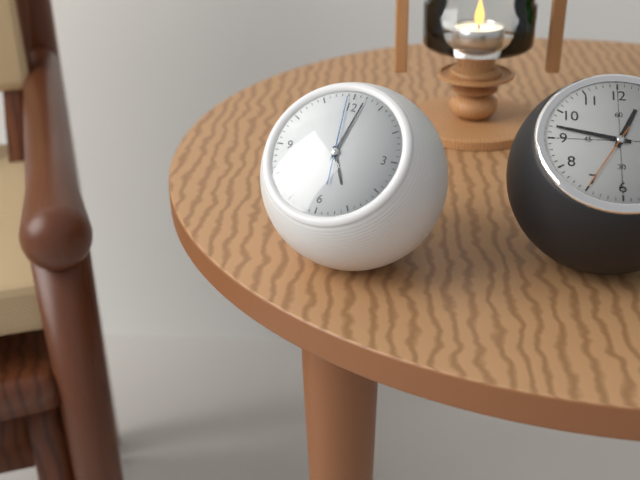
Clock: 5:02:59
